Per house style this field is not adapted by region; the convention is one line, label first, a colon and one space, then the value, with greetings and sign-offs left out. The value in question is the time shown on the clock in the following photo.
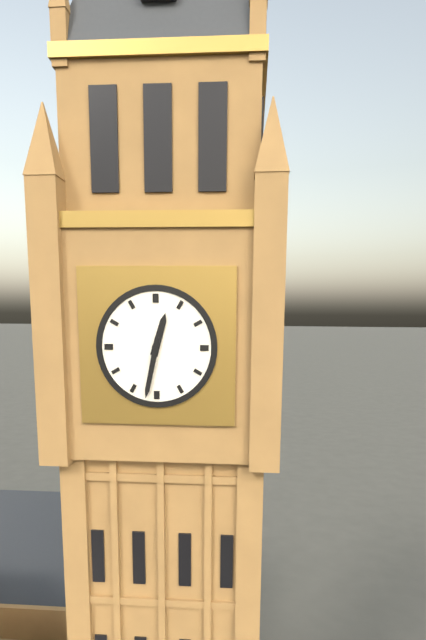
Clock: 12:32
